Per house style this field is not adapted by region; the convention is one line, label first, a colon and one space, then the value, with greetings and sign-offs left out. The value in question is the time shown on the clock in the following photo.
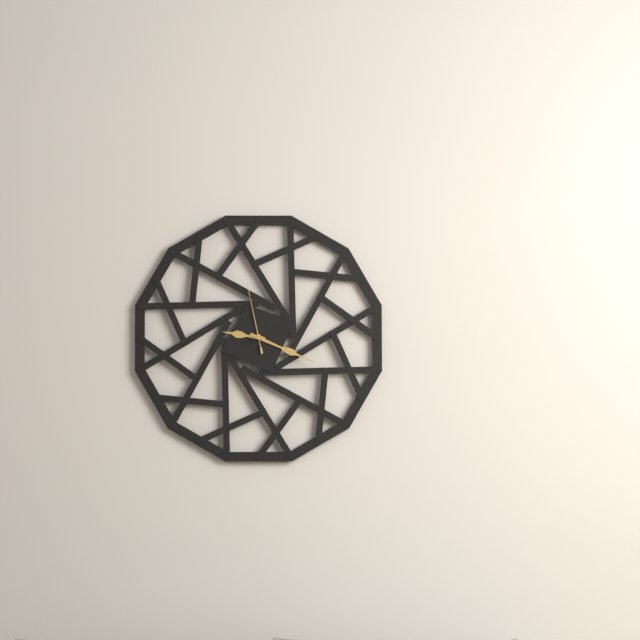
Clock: 9:19:58
